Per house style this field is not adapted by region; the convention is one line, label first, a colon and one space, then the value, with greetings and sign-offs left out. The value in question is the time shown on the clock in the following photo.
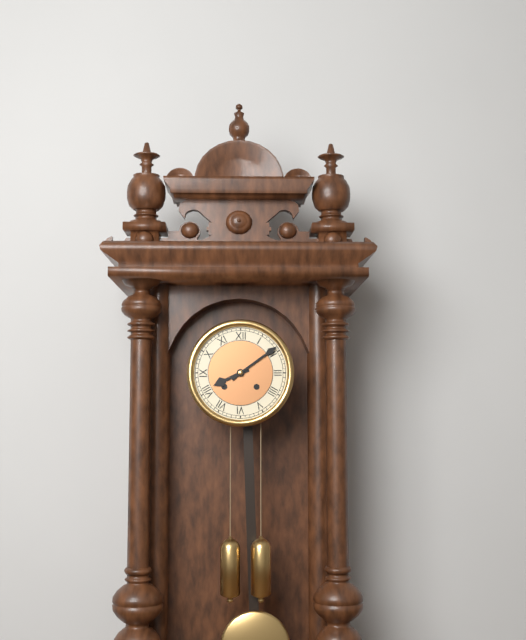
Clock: 8:09
